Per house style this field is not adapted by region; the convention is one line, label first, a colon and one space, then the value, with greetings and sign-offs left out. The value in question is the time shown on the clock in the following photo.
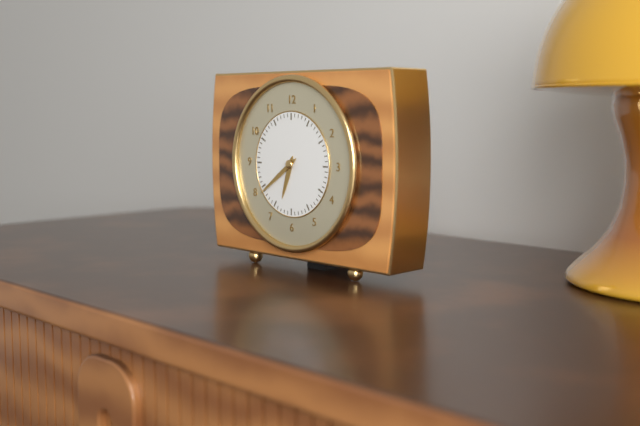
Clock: 6:39
